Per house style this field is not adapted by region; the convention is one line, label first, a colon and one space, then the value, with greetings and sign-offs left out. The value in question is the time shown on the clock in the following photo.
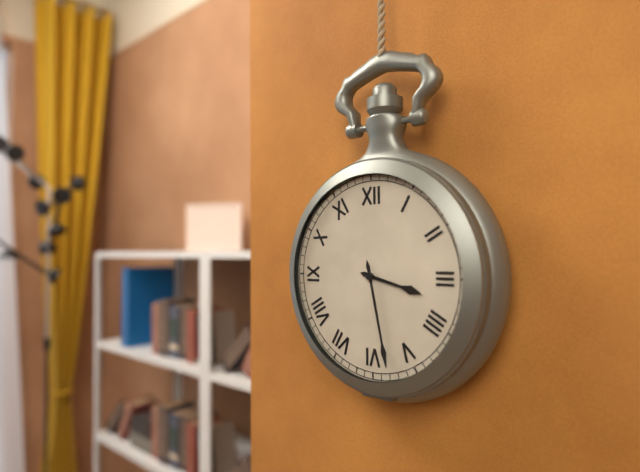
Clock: 3:28
